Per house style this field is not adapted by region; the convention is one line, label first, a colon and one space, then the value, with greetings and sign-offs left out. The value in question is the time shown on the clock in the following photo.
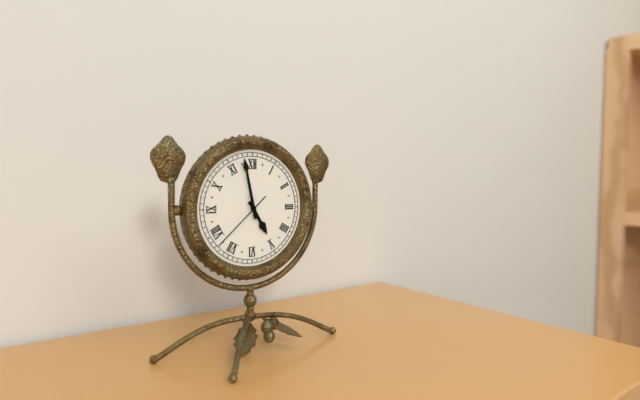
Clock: 4:58:38
